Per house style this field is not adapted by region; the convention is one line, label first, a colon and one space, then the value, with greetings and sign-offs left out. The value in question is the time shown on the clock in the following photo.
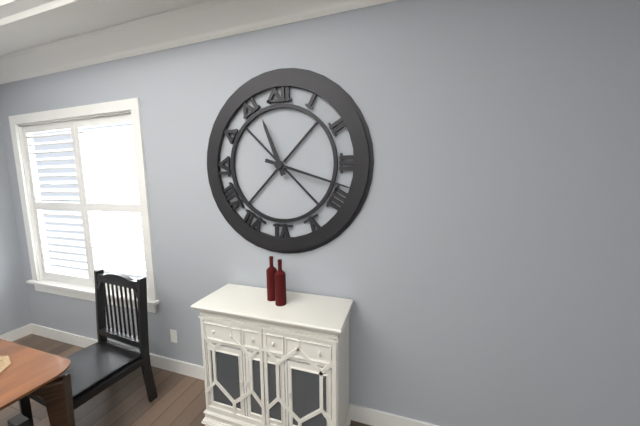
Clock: 11:18
